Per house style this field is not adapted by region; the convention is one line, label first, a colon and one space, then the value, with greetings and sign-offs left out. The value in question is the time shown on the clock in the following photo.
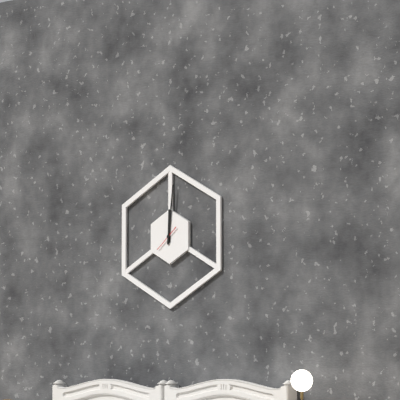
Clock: 12:01
